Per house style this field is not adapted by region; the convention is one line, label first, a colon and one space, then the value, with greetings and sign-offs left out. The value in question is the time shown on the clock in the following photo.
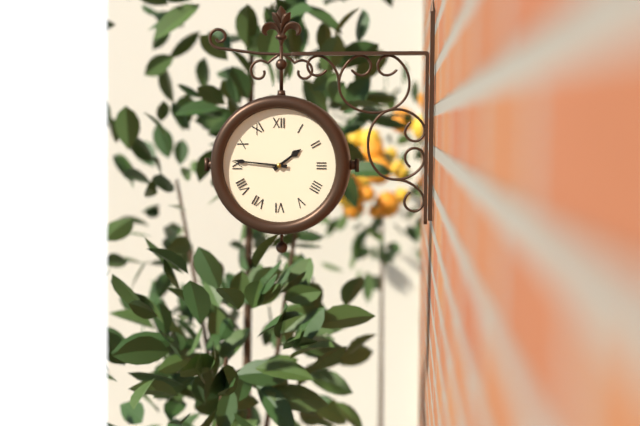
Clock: 1:46
